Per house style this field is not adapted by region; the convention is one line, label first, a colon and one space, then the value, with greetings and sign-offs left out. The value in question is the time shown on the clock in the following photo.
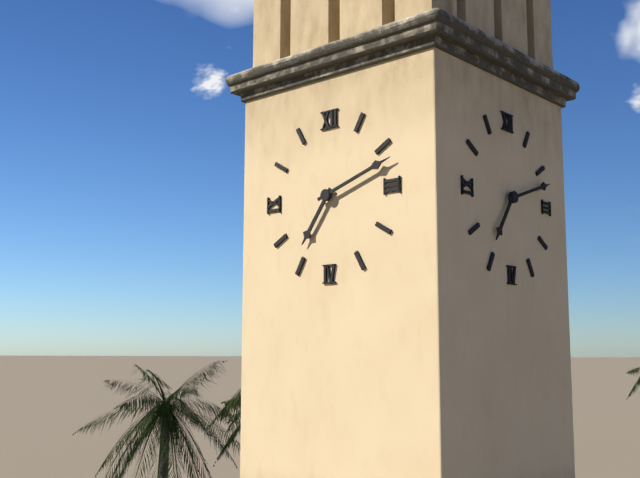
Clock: 7:12
